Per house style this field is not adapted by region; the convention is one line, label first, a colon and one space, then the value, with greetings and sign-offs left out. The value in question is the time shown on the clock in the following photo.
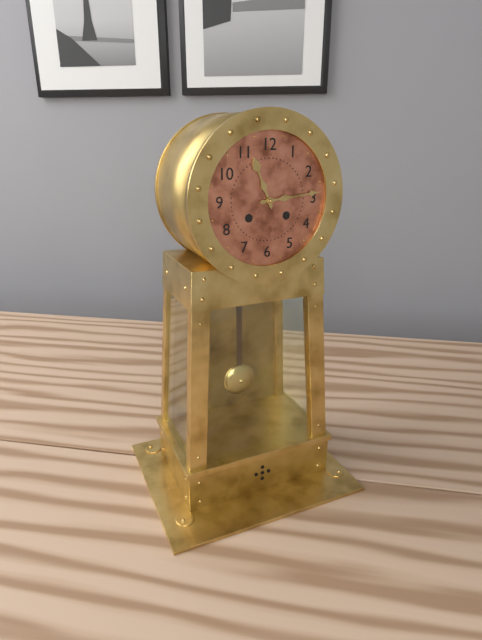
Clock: 11:14
